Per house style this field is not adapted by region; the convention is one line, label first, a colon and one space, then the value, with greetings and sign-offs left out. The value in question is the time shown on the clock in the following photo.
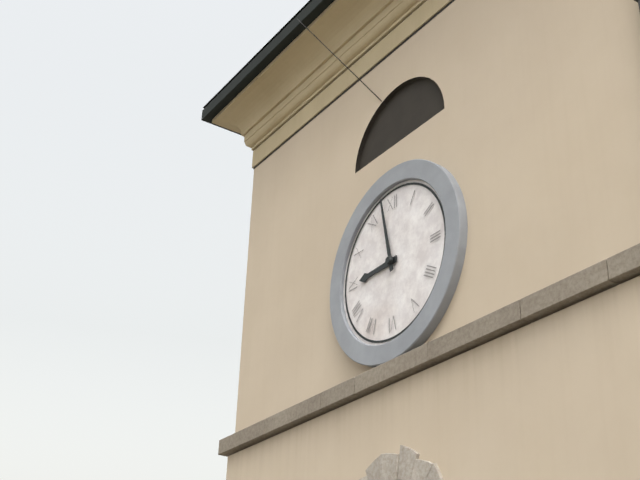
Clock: 8:58
